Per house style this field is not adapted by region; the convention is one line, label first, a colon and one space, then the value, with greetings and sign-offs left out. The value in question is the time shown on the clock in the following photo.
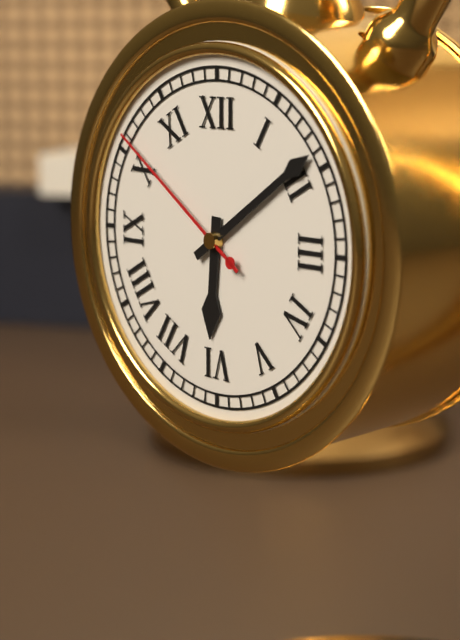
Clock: 6:09:51
